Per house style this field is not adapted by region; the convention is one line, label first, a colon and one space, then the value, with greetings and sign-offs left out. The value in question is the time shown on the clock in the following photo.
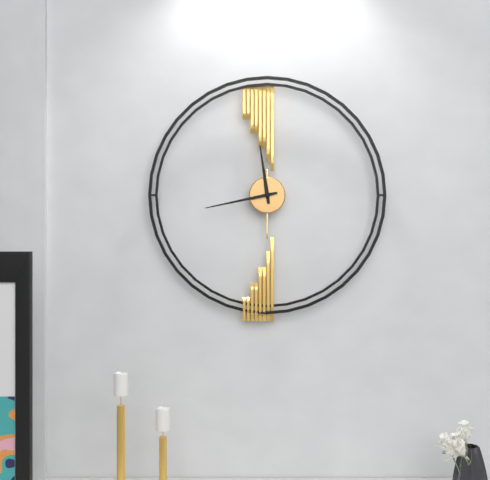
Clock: 11:43
